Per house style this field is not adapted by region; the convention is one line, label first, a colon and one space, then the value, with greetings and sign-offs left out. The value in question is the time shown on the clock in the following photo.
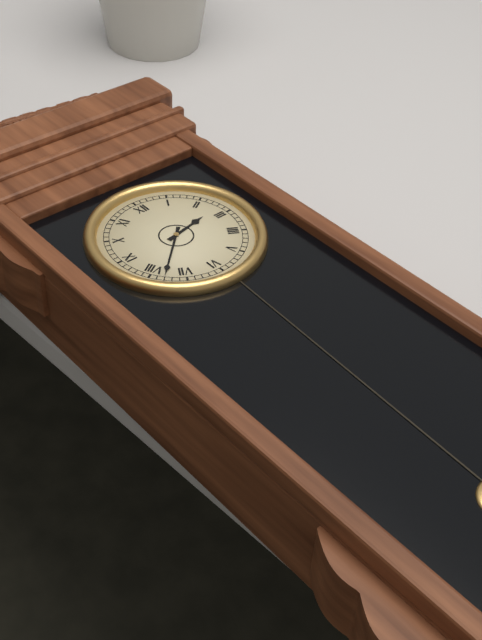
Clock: 2:38
